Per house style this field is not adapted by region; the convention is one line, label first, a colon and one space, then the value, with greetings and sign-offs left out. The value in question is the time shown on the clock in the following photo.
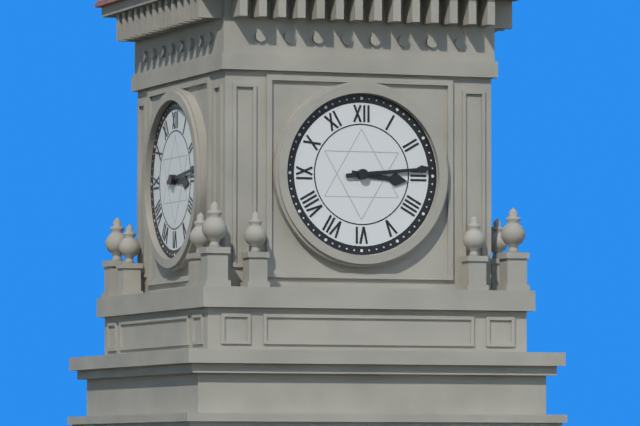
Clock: 3:14
